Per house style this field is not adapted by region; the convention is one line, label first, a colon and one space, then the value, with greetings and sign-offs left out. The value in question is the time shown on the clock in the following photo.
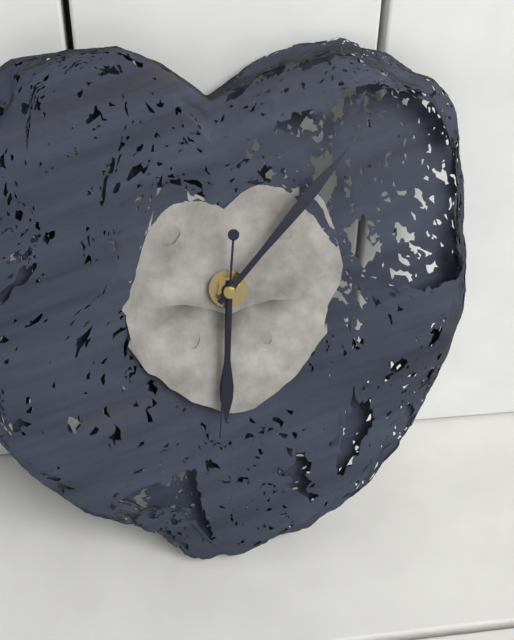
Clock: 6:07:31
